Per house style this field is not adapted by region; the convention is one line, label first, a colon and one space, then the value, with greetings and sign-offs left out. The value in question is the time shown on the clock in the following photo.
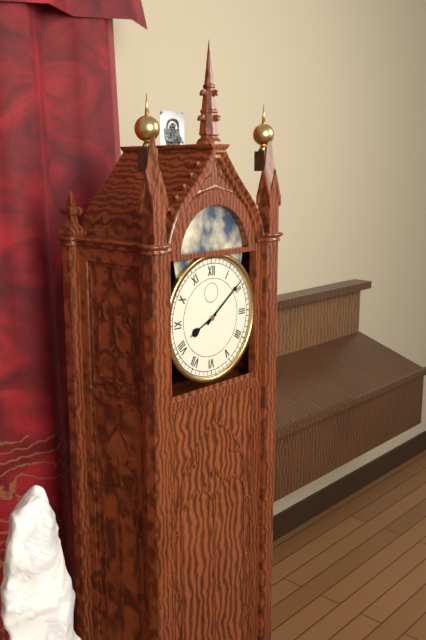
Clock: 8:09
